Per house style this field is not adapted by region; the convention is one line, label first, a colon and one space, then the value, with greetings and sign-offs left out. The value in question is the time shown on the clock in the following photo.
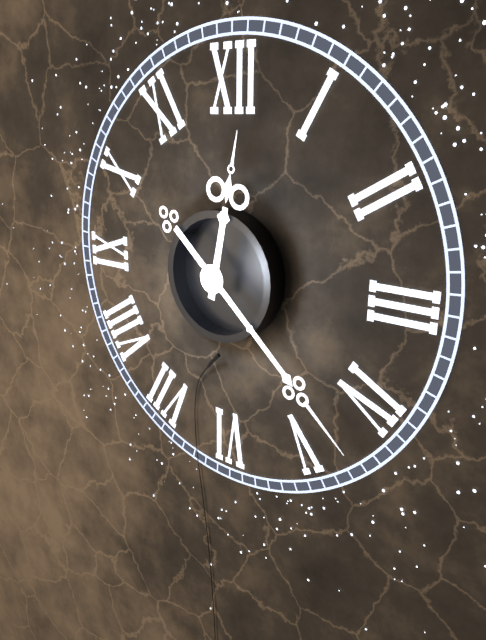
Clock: 12:22
